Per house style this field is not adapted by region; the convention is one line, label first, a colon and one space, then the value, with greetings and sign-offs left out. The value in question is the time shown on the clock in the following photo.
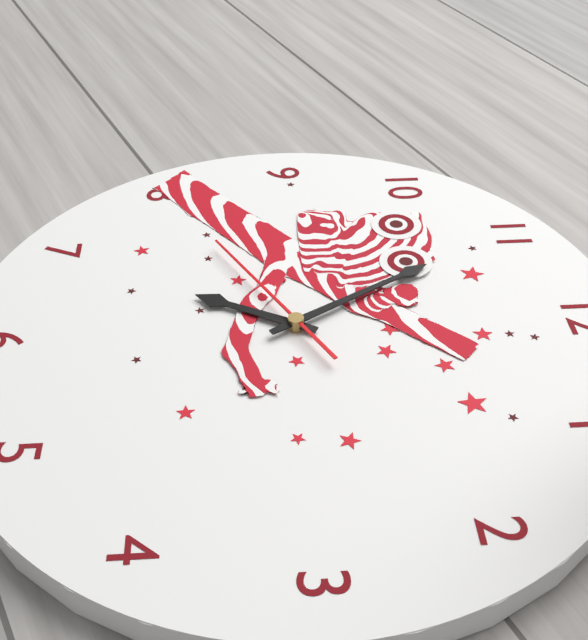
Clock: 6:55:40
